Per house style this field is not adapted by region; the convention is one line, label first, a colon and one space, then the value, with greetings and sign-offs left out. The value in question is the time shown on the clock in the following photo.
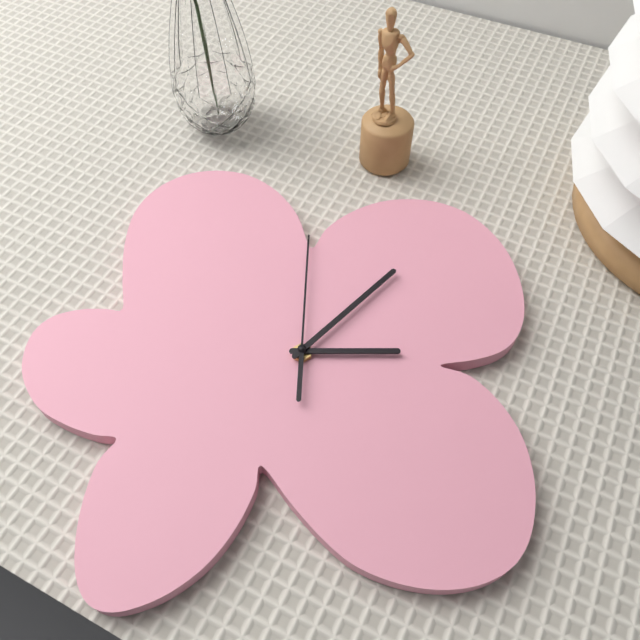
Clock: 3:08:01
